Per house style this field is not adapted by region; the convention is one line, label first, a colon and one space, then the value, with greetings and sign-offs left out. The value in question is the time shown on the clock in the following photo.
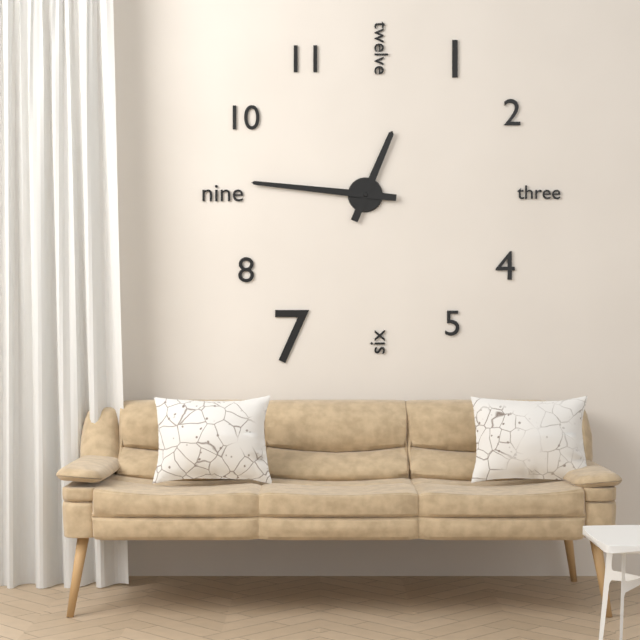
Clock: 12:46
